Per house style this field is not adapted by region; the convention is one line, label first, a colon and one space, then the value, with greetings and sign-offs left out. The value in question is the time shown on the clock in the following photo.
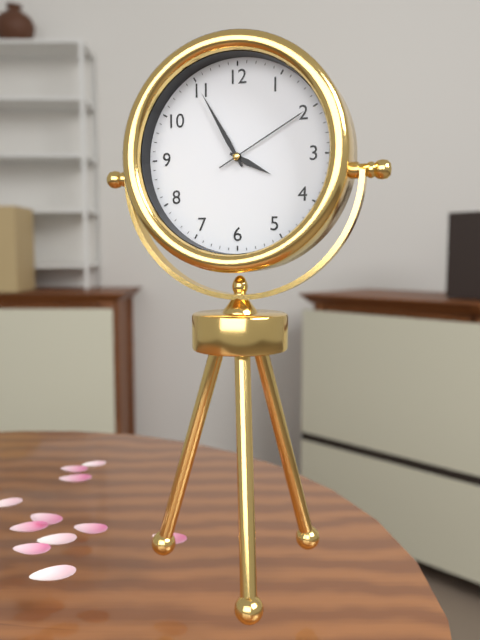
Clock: 3:55:10
